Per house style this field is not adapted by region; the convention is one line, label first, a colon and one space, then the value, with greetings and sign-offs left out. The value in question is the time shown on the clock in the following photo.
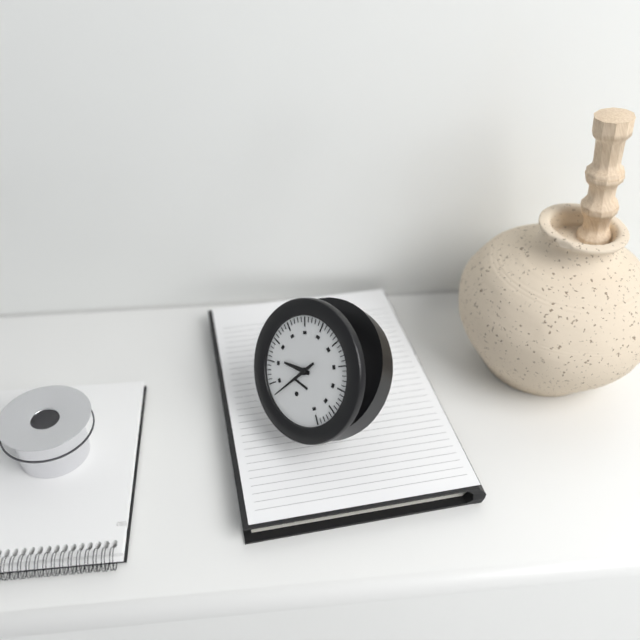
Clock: 8:35
